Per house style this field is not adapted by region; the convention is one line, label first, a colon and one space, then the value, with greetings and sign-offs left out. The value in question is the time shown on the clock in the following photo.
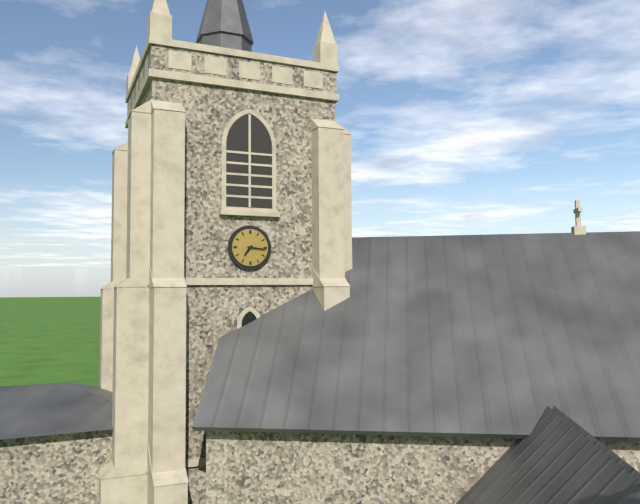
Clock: 7:16
